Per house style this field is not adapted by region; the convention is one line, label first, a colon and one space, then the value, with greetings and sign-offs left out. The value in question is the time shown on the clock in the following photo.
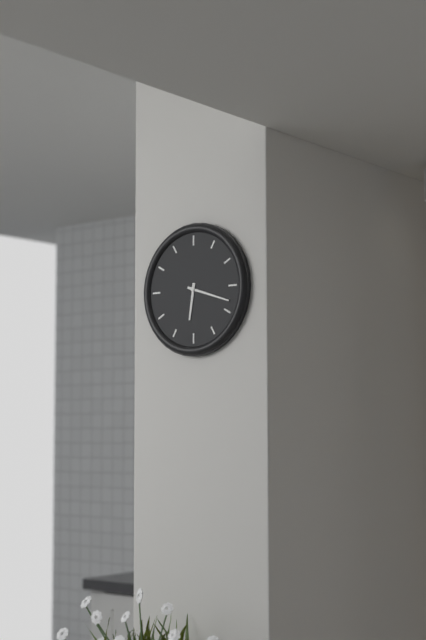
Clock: 6:18
